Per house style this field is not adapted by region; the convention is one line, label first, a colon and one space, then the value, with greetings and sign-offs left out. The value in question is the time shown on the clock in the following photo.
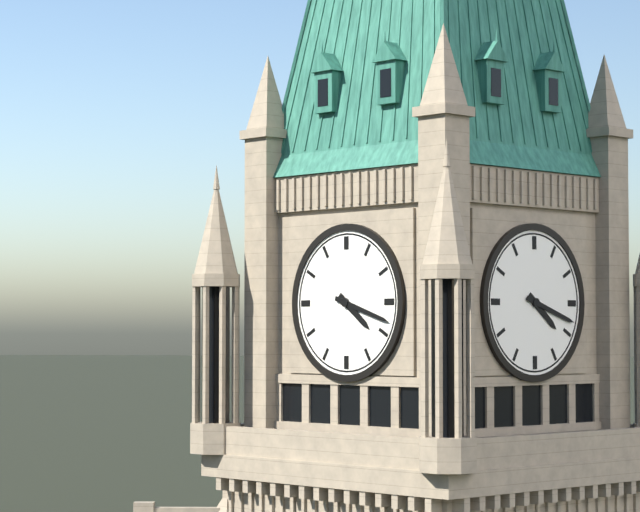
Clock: 4:18
